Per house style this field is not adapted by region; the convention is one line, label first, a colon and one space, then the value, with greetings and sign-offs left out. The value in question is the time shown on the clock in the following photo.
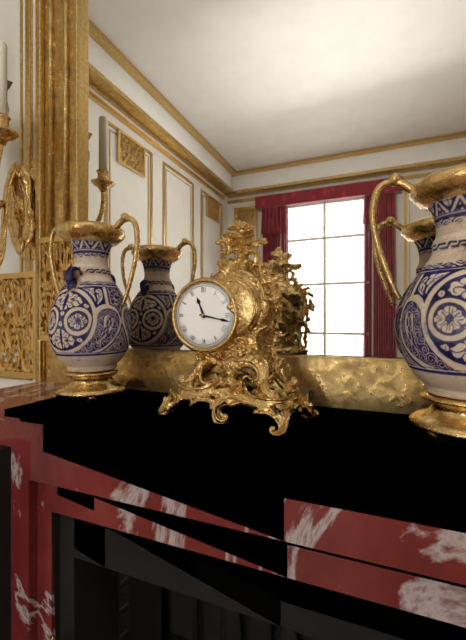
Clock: 11:17
